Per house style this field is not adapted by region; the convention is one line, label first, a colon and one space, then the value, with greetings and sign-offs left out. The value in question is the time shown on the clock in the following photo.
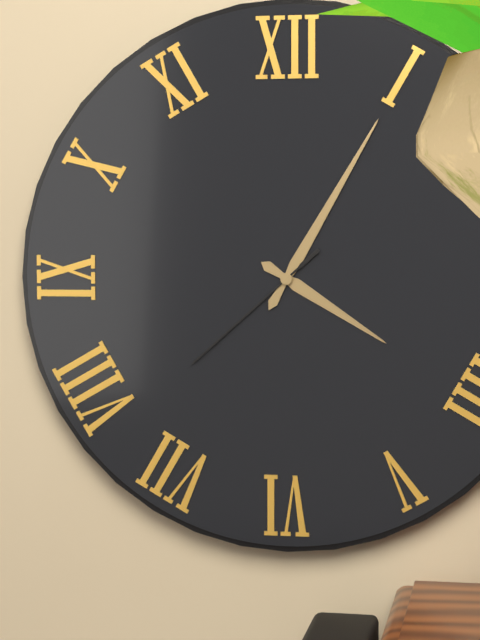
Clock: 4:05:38
